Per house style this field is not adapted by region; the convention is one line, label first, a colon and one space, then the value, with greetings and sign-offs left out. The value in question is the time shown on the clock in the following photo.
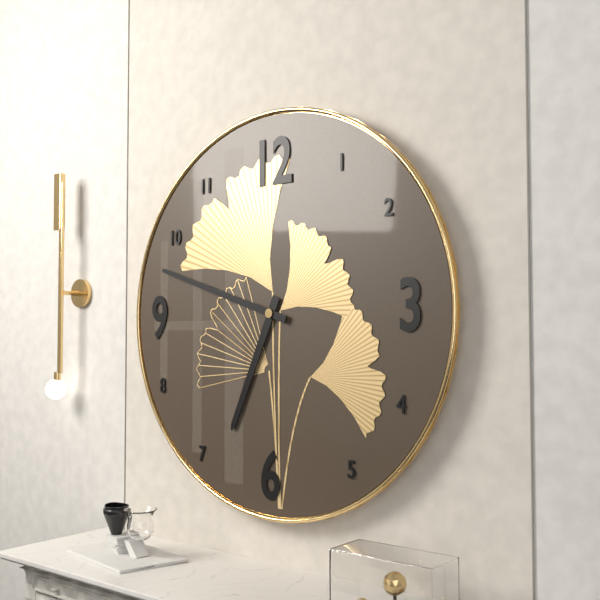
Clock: 6:48
